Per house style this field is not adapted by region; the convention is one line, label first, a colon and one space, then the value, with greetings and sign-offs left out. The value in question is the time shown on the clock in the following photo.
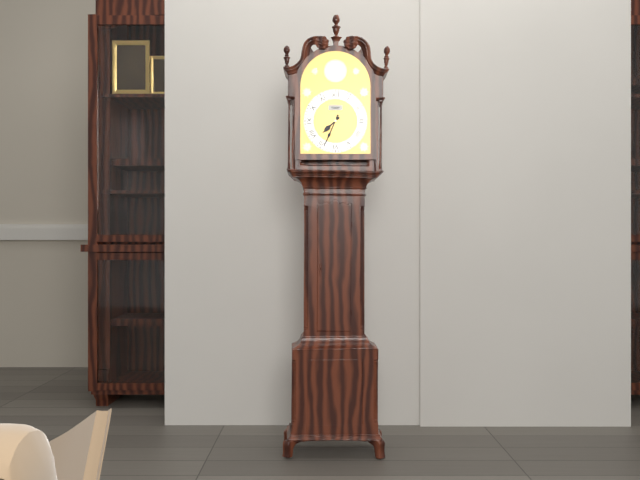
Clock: 7:34
